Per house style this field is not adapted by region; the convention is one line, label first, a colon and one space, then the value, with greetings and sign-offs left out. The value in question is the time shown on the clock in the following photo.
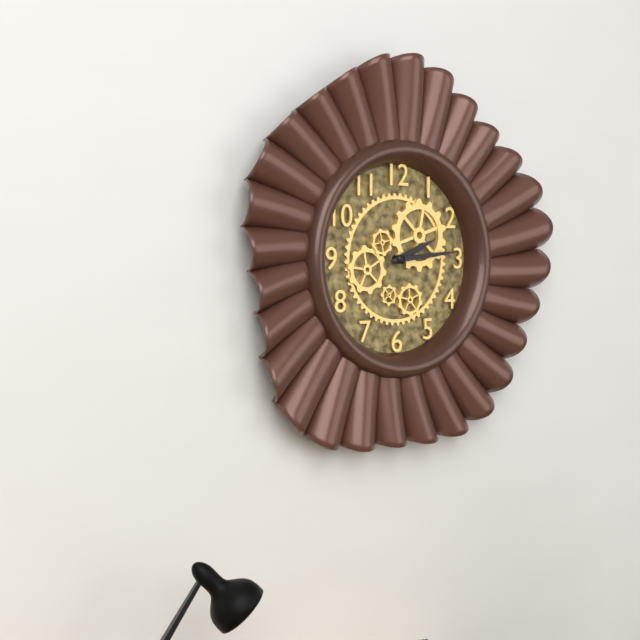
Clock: 2:14
